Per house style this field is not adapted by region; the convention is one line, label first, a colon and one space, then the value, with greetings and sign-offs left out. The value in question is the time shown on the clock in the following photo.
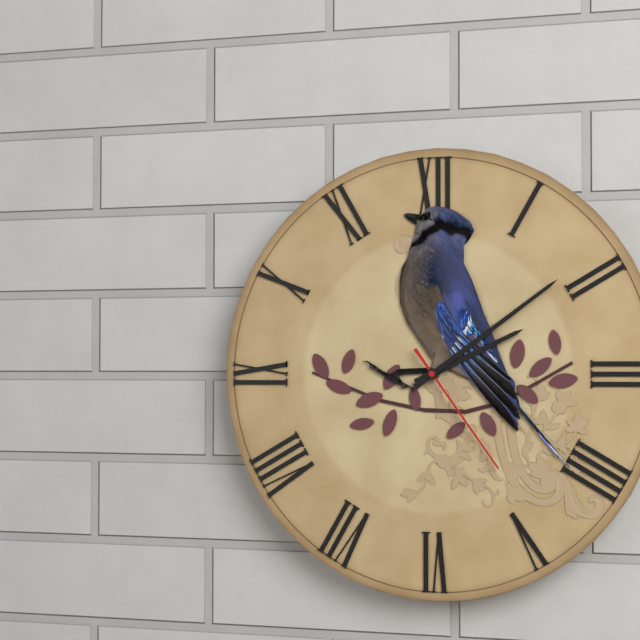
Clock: 2:09:24
